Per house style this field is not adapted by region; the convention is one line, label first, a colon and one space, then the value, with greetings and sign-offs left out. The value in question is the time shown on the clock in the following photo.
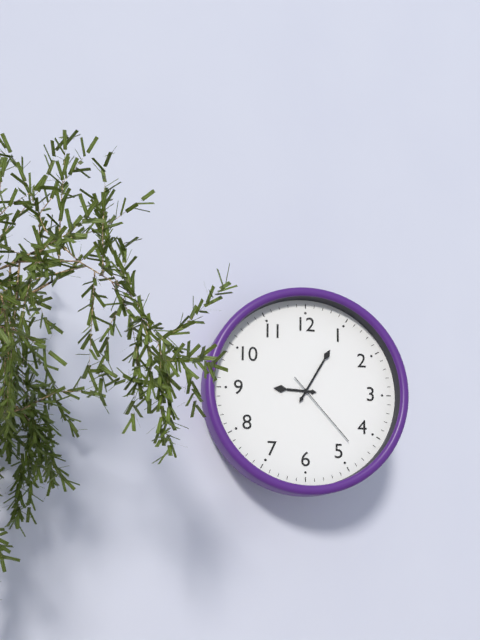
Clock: 9:05:23
